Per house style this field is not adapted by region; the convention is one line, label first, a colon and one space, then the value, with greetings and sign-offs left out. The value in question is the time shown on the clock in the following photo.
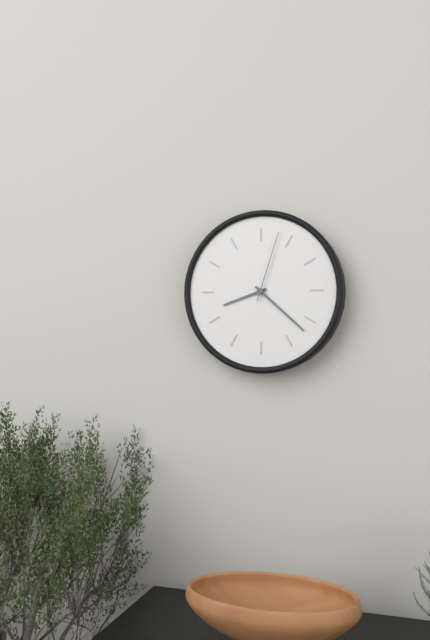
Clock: 8:22:03
